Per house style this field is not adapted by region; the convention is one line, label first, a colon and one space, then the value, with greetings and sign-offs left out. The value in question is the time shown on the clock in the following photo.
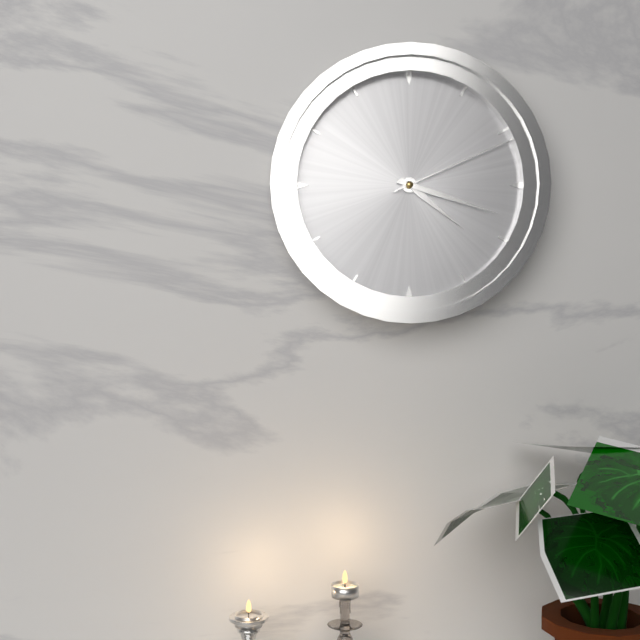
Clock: 4:18:11
